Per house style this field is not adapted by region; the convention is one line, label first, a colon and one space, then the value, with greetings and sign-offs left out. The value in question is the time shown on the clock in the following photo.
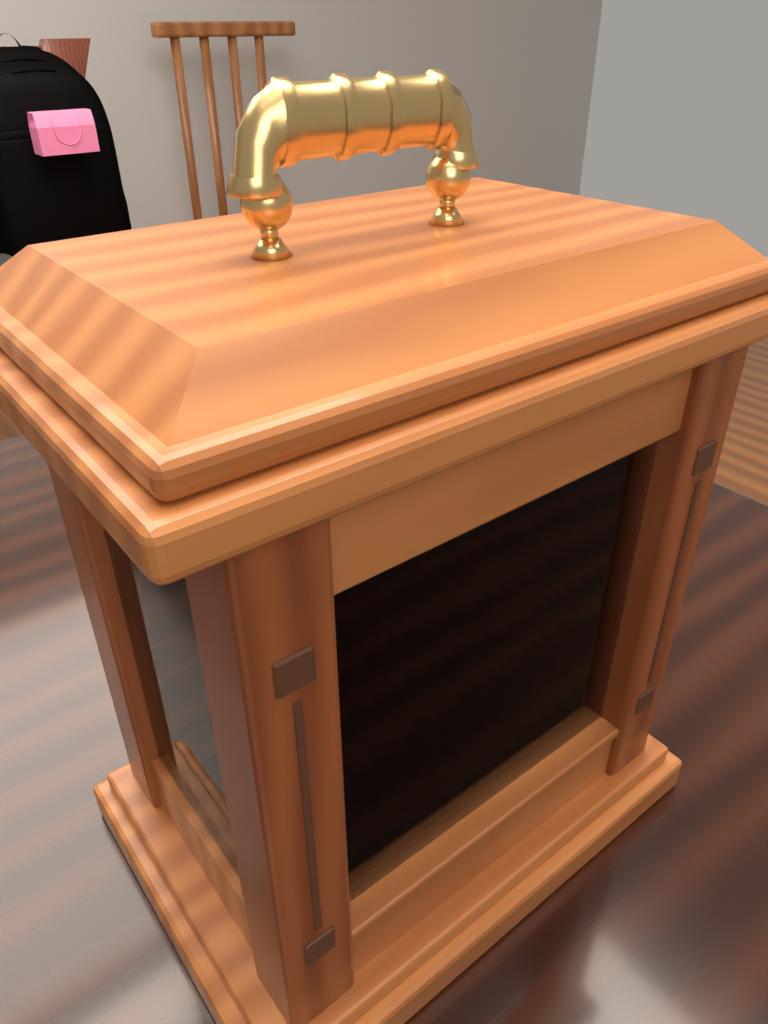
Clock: 3:14
